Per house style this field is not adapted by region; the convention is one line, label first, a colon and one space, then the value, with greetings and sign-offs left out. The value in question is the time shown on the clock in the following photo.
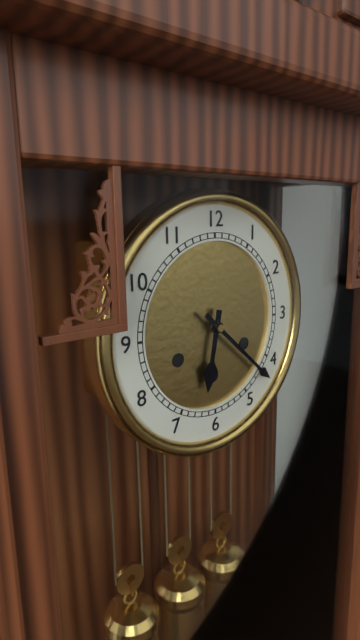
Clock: 6:22
